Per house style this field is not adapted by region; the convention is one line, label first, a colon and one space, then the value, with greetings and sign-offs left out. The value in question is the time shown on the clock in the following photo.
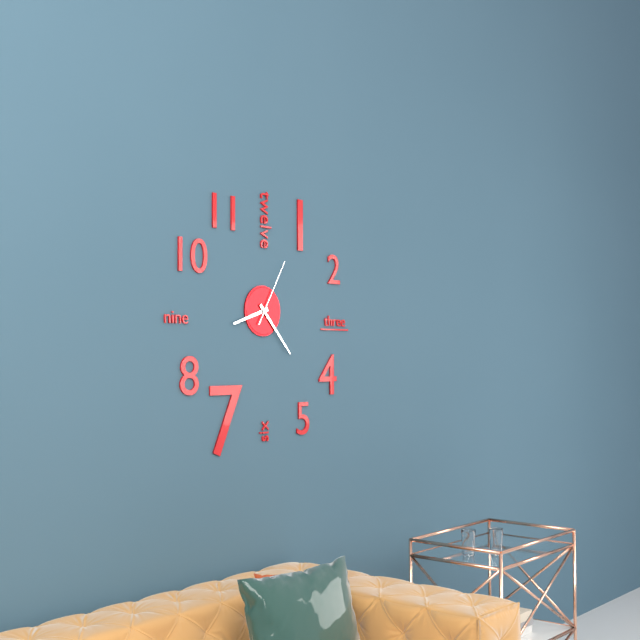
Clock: 8:23:05
